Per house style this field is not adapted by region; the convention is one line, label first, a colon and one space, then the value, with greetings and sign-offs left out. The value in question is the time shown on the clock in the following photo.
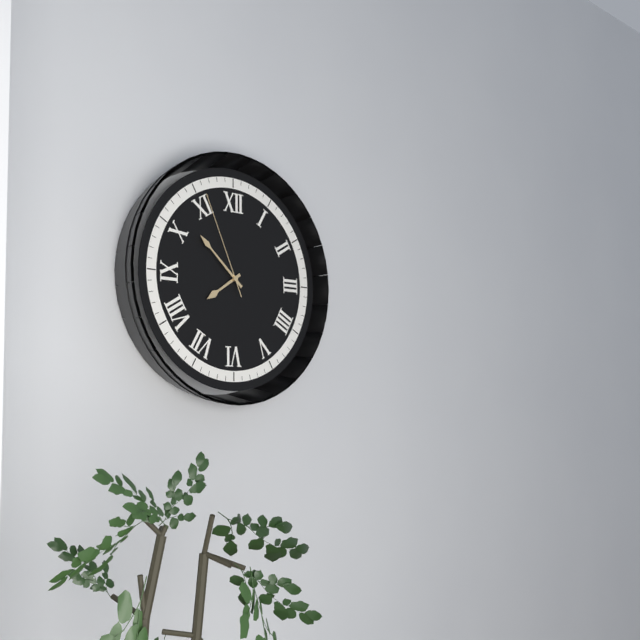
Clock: 7:52:56
